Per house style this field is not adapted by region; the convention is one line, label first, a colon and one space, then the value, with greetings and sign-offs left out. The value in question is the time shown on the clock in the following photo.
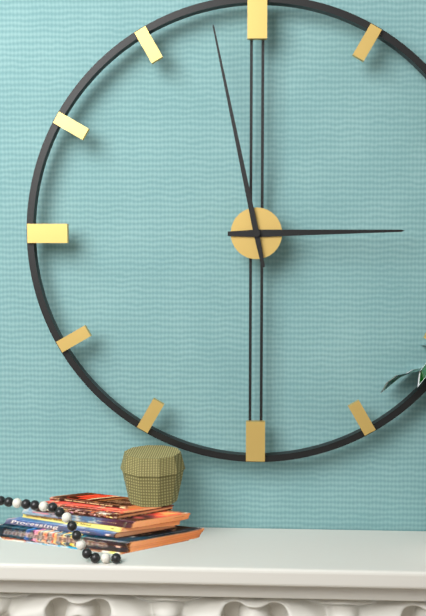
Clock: 2:58
